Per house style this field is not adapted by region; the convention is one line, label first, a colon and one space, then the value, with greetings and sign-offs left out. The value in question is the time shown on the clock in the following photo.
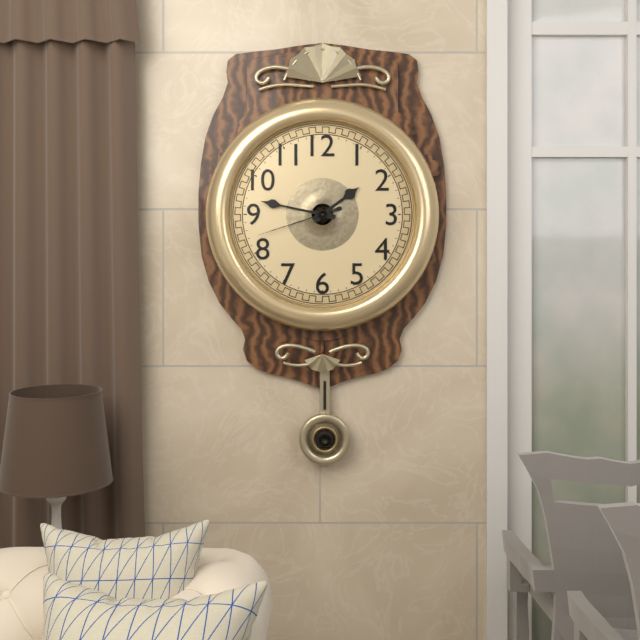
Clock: 1:47:42
